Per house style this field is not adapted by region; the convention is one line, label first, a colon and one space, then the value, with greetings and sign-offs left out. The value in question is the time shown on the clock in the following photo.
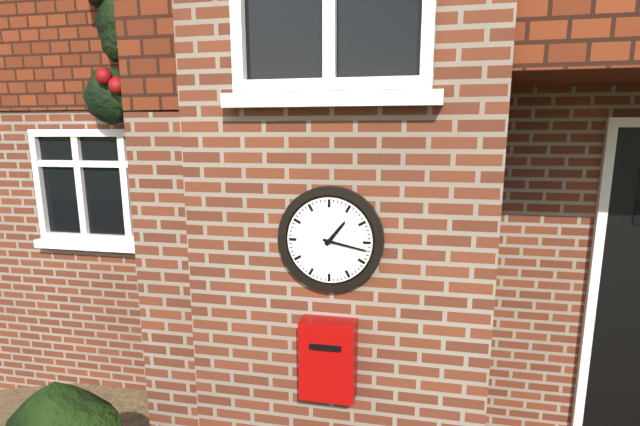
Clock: 1:17
